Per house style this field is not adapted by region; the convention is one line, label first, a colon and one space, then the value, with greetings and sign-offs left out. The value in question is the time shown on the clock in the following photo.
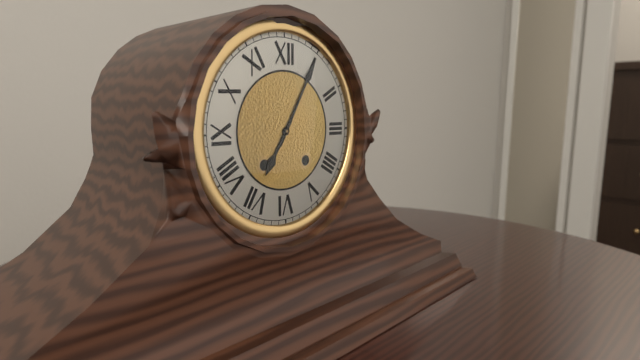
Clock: 7:05
